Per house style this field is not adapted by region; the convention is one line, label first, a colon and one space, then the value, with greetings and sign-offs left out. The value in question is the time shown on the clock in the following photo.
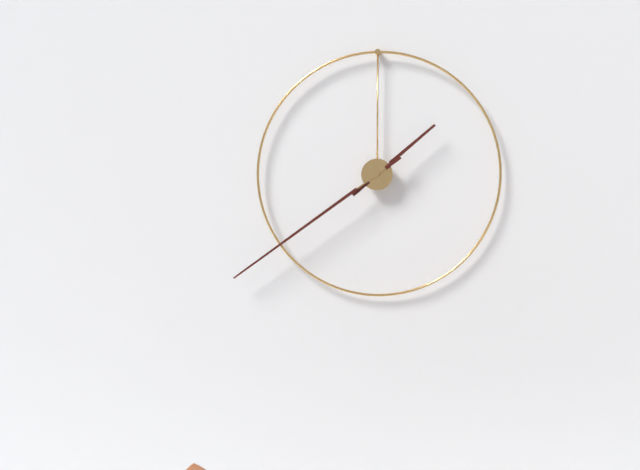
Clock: 1:39
